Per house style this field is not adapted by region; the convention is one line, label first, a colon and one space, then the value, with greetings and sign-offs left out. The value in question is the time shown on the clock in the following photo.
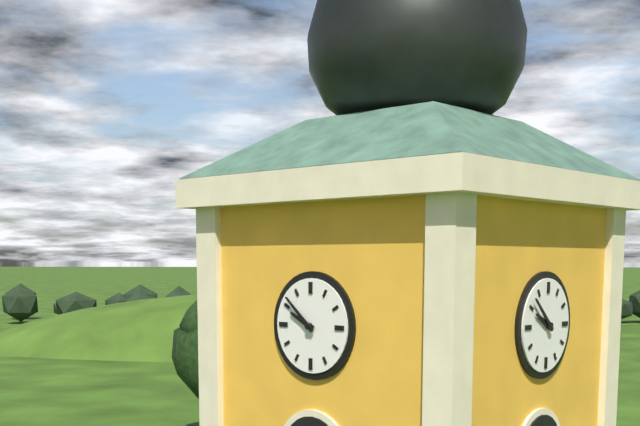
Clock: 9:52
